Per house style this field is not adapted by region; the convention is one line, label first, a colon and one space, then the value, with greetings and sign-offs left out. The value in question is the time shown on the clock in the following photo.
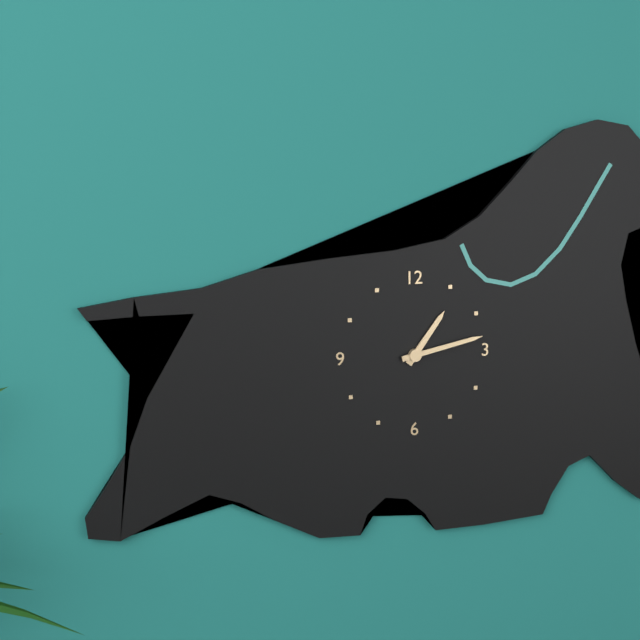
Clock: 1:13
